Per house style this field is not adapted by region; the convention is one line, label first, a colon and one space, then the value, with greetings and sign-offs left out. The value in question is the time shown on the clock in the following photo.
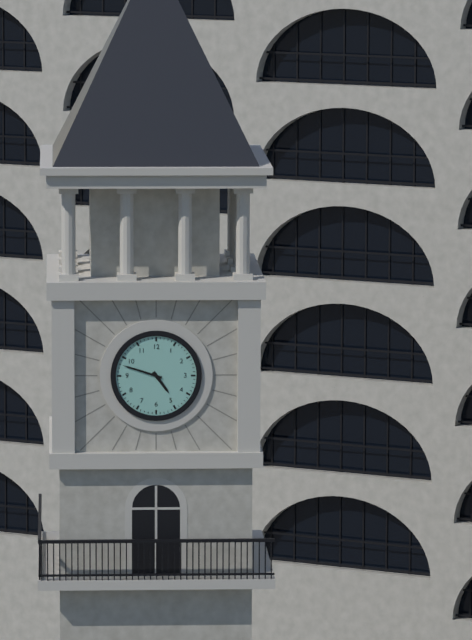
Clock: 4:48
